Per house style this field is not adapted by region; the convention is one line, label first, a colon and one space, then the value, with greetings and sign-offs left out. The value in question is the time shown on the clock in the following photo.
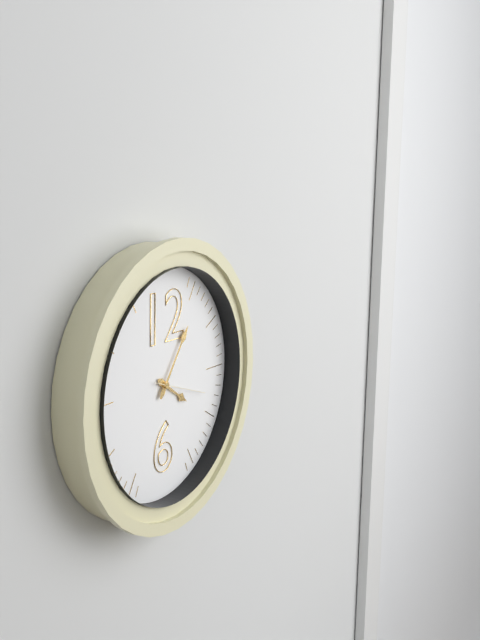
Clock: 4:06:18
